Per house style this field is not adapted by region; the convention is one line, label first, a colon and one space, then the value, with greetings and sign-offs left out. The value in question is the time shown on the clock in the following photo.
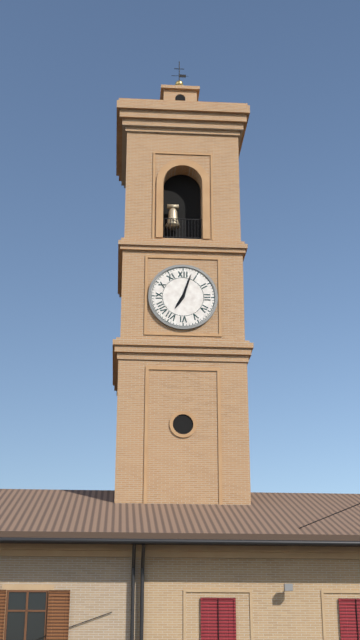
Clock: 7:03
